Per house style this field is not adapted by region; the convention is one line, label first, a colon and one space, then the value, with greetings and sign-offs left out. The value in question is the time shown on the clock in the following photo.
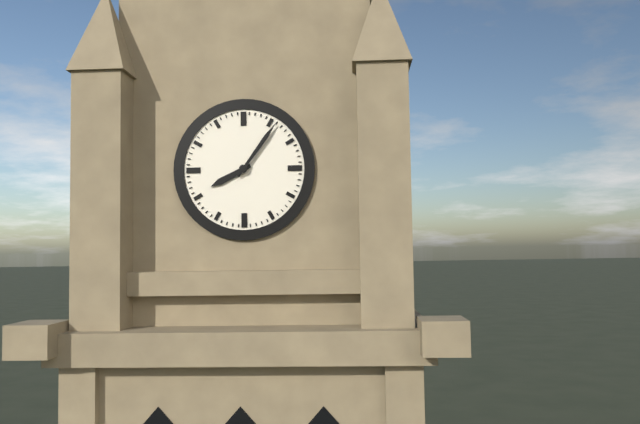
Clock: 8:06
